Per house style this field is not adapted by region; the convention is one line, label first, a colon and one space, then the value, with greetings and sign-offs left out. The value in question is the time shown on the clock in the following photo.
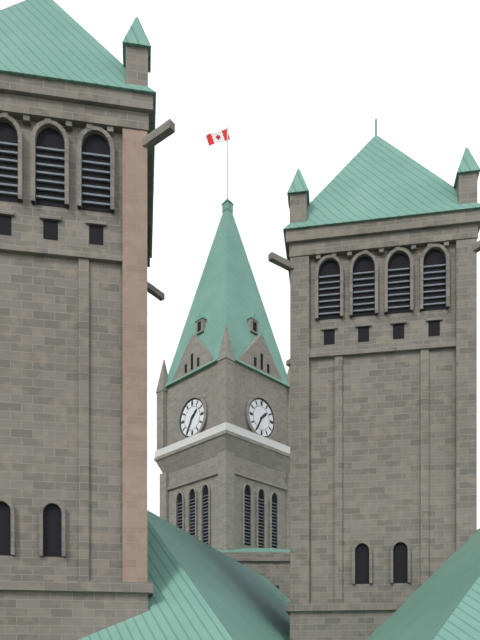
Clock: 1:35
